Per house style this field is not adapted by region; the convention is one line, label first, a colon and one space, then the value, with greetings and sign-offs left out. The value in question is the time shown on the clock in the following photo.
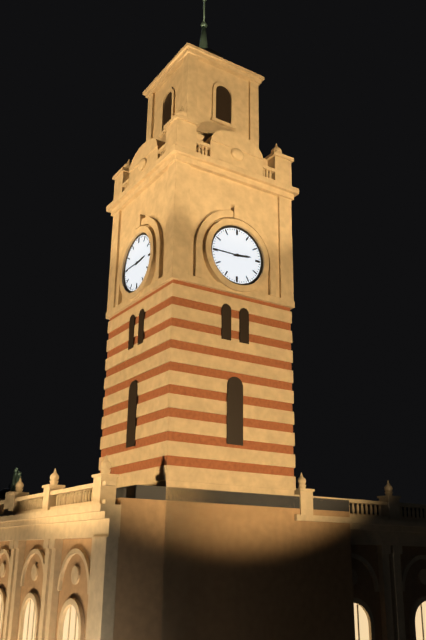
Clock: 2:45
